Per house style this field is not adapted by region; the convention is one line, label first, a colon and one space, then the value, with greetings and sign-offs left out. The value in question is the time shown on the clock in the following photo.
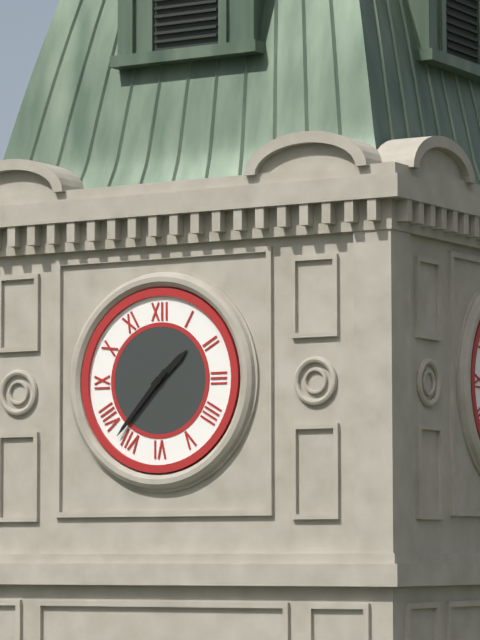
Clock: 1:37
